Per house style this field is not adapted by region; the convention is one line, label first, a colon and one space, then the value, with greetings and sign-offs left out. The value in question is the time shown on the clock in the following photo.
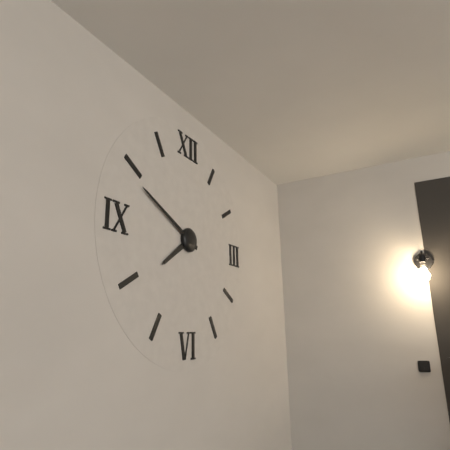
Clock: 7:49
